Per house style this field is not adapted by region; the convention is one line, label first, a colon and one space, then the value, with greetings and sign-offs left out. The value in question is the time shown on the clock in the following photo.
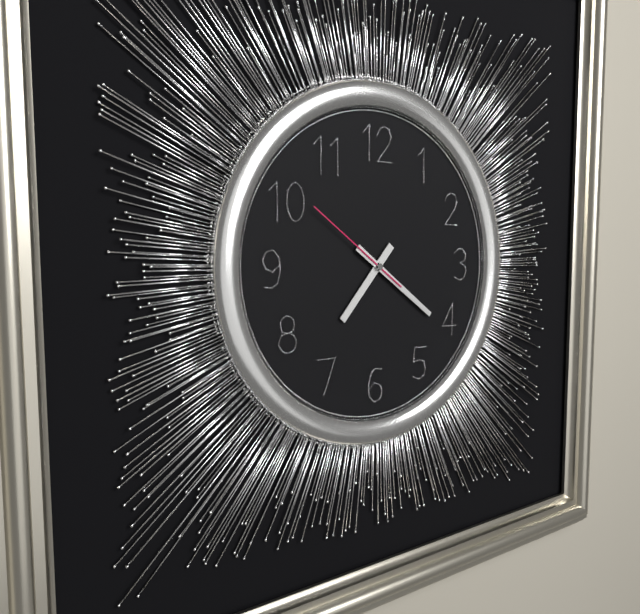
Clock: 7:21:51
